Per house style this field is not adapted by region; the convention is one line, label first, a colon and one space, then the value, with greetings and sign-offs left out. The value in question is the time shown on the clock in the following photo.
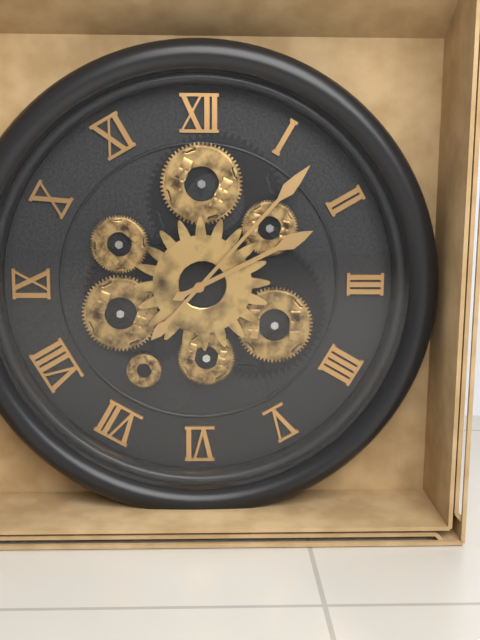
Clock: 2:07
